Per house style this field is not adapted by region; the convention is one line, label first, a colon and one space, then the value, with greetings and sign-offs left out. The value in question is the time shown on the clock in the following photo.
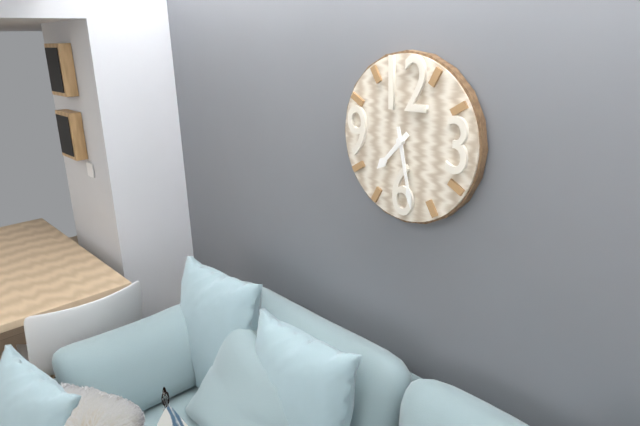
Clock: 7:28
